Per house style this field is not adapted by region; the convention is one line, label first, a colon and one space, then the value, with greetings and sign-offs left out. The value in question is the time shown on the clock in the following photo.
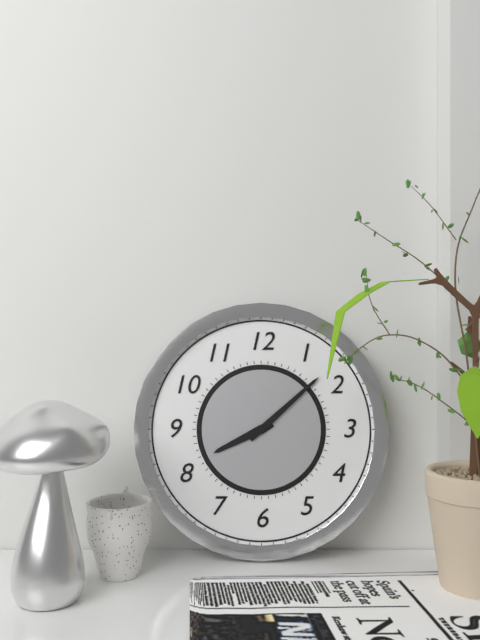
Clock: 8:08
